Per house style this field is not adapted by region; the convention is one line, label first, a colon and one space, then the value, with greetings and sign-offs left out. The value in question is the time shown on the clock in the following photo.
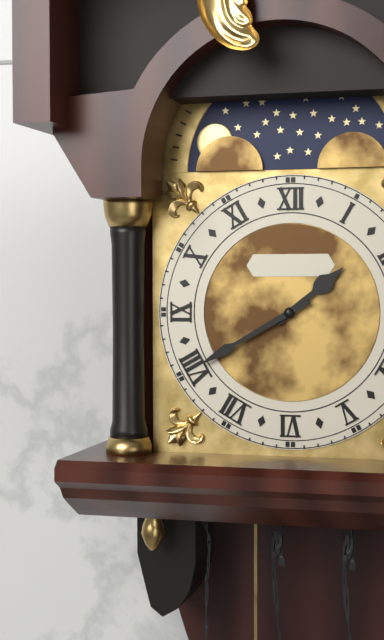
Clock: 1:40
